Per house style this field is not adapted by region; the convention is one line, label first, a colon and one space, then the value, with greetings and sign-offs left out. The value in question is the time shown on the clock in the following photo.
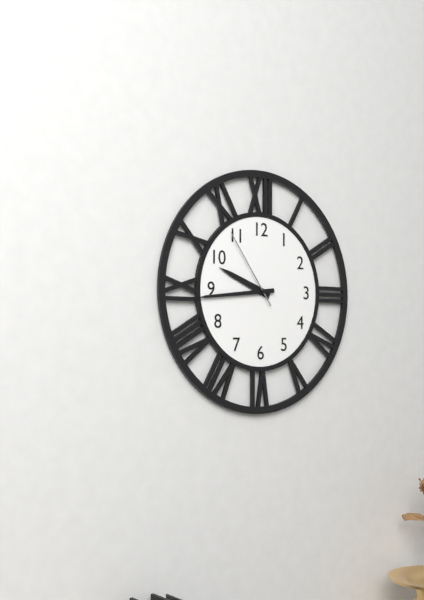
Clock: 9:44:54
